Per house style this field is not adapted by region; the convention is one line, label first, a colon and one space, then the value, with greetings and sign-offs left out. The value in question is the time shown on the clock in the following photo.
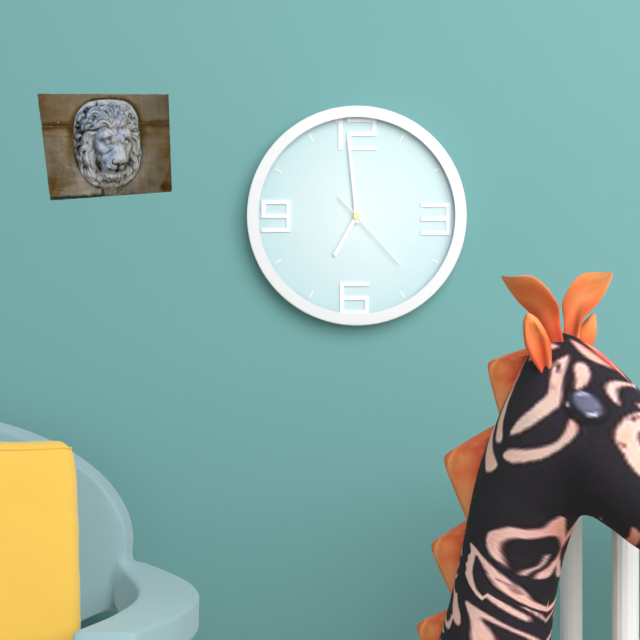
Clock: 6:59:23
